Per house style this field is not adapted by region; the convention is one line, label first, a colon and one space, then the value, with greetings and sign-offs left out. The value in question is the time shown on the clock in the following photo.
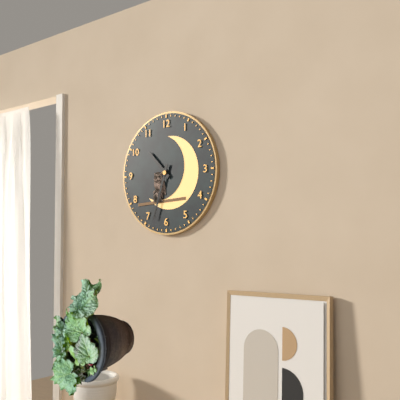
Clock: 10:33
